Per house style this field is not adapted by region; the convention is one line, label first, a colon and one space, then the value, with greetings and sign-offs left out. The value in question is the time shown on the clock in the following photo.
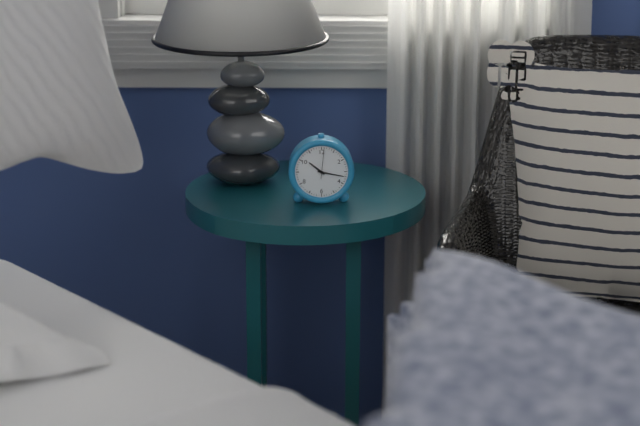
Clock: 10:17
